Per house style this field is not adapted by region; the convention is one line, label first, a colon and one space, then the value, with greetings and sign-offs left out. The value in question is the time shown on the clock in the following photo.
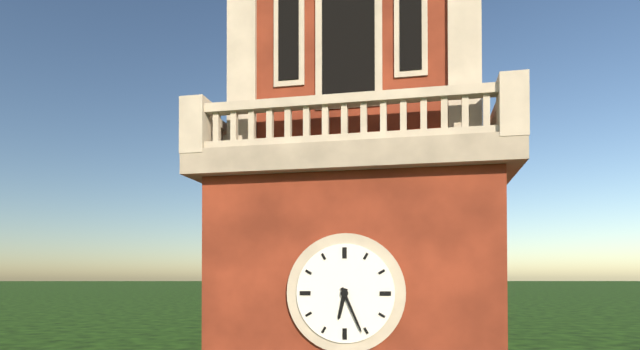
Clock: 6:26
